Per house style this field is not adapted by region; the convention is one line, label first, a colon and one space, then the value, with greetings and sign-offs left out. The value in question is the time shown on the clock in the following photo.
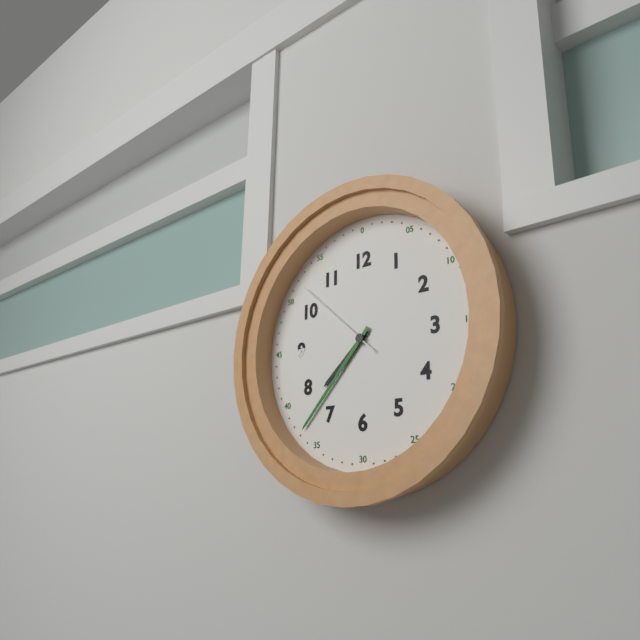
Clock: 7:37:52
